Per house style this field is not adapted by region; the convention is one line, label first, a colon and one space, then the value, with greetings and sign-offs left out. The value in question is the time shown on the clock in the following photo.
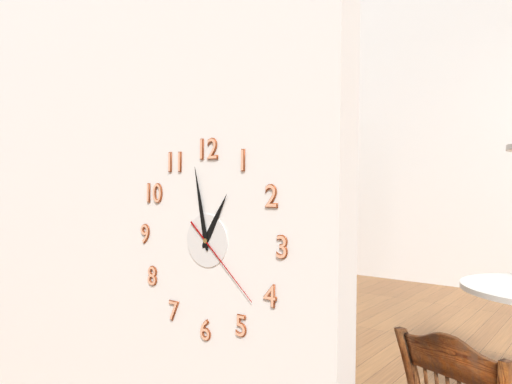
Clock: 12:58:22
